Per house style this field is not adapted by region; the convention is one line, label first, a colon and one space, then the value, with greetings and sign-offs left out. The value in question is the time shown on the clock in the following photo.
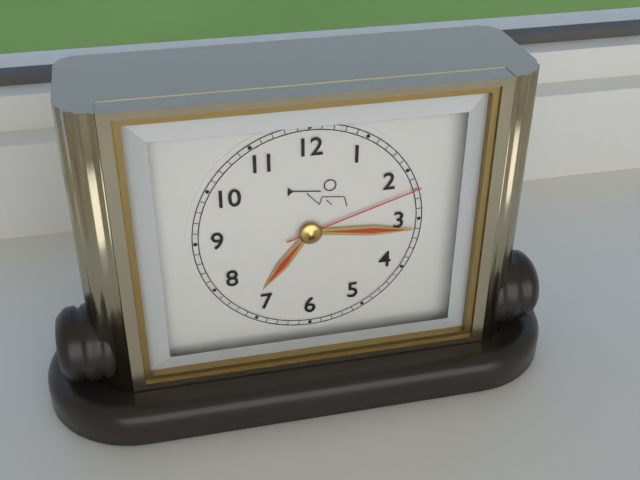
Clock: 7:16:12
